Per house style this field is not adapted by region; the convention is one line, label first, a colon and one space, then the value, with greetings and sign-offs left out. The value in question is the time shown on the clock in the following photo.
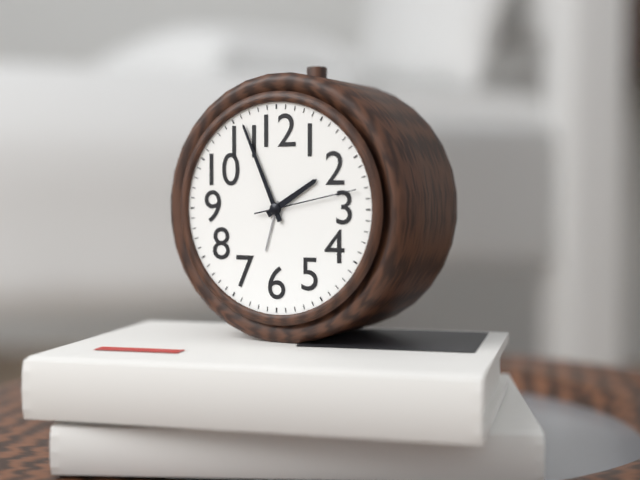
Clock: 1:56:13
